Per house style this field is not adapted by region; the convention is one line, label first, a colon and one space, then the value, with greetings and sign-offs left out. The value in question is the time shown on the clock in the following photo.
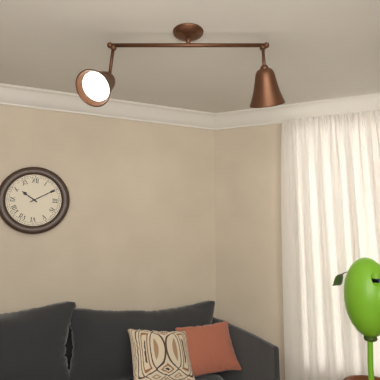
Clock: 10:10
